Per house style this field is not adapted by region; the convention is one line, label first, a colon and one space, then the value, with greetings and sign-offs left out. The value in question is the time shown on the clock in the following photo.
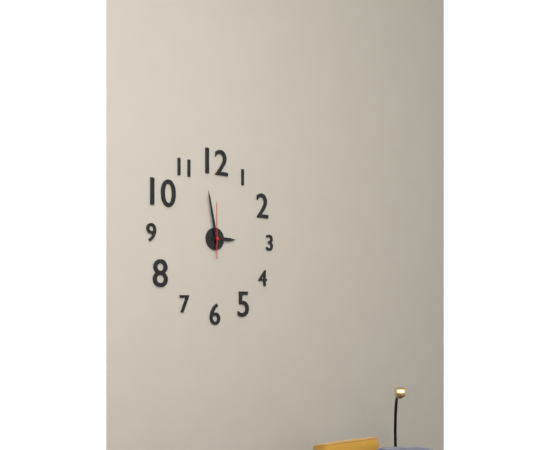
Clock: 2:58
